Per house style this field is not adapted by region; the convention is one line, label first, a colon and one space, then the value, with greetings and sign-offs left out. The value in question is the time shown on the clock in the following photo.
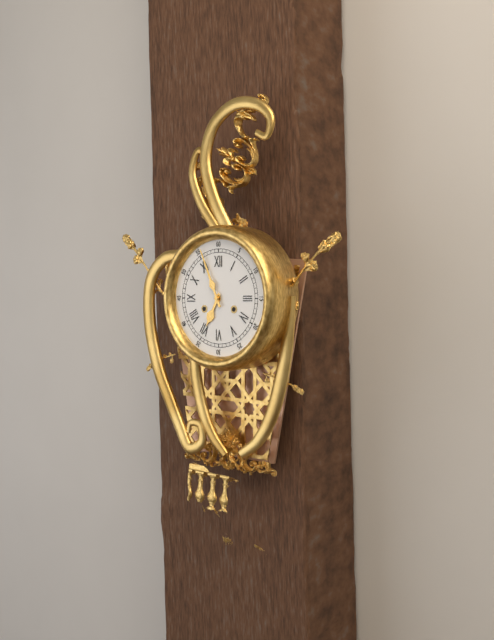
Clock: 6:56
